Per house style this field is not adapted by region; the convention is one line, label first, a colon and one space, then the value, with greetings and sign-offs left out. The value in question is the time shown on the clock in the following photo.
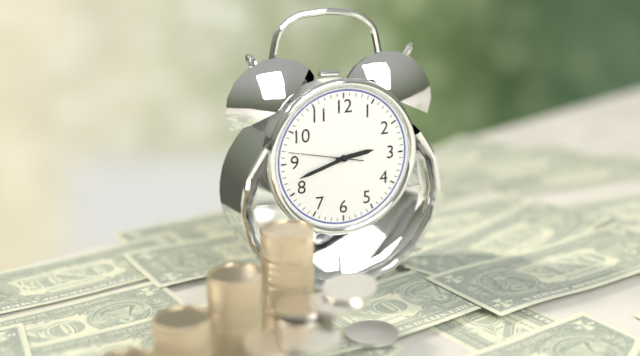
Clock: 2:42:47
